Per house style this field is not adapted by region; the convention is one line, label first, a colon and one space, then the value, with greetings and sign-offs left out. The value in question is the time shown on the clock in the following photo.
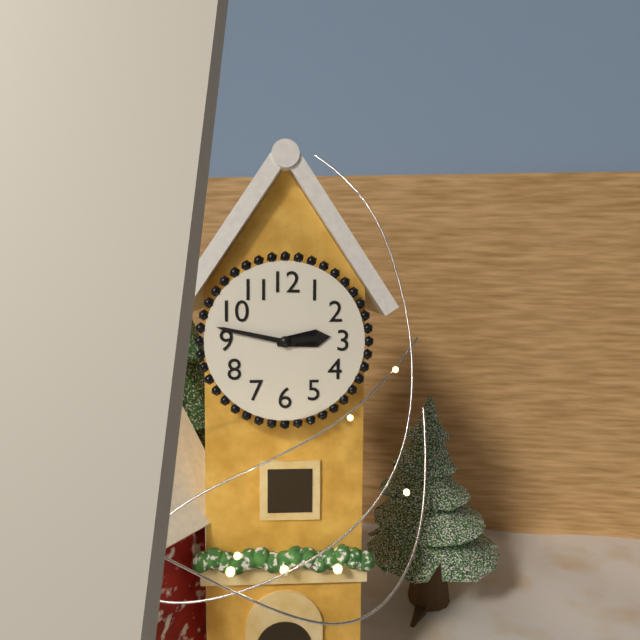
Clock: 2:47
